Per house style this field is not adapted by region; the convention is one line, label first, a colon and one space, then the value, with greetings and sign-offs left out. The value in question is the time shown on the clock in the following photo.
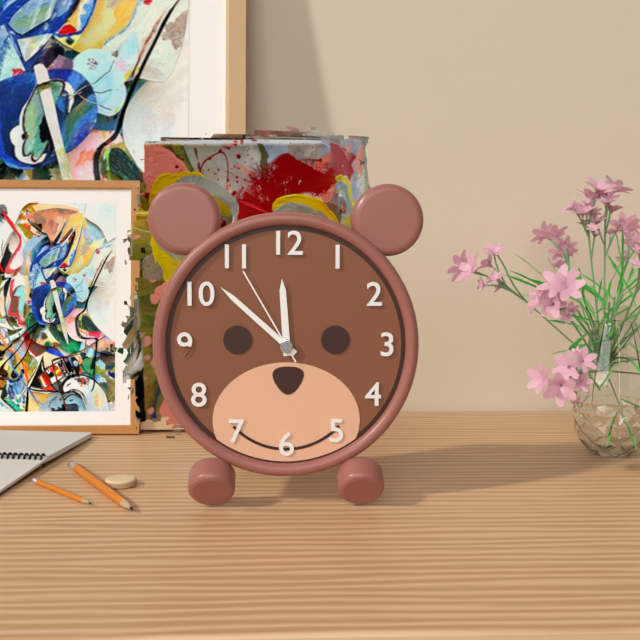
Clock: 11:52:55
